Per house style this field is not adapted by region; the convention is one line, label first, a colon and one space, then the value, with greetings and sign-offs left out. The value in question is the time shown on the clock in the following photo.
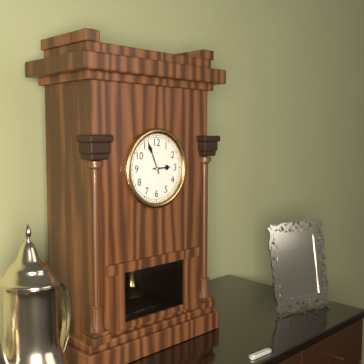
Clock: 2:56
